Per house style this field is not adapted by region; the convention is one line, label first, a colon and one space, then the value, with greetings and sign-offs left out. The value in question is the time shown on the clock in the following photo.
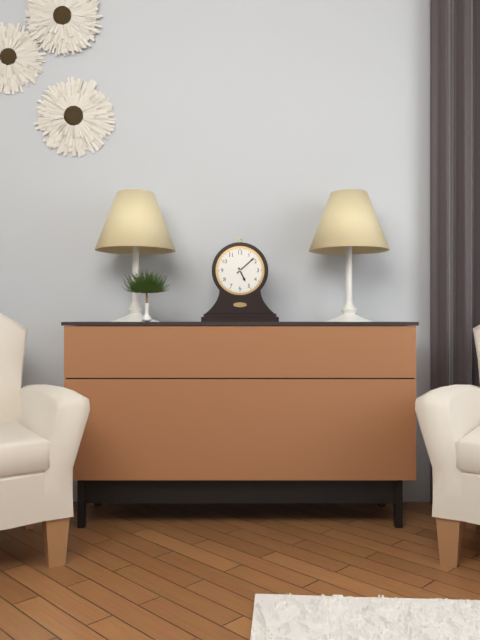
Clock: 5:08
